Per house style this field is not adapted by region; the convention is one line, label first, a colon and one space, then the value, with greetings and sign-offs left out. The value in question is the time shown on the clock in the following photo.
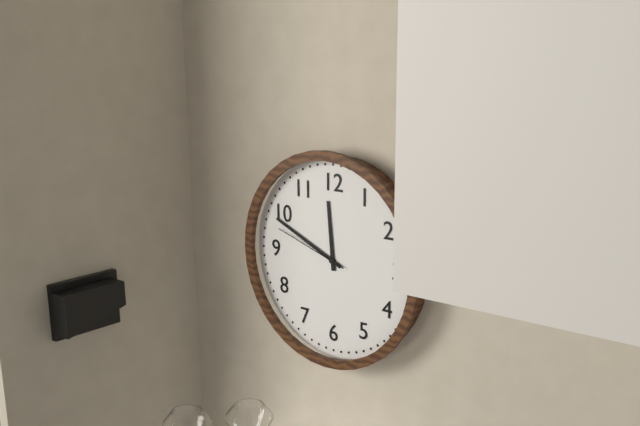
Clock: 11:49:48
